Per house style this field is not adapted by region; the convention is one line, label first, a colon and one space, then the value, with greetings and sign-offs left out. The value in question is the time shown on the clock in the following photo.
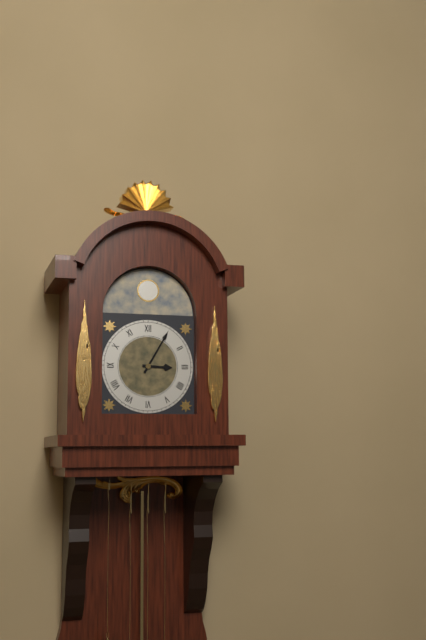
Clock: 3:05
